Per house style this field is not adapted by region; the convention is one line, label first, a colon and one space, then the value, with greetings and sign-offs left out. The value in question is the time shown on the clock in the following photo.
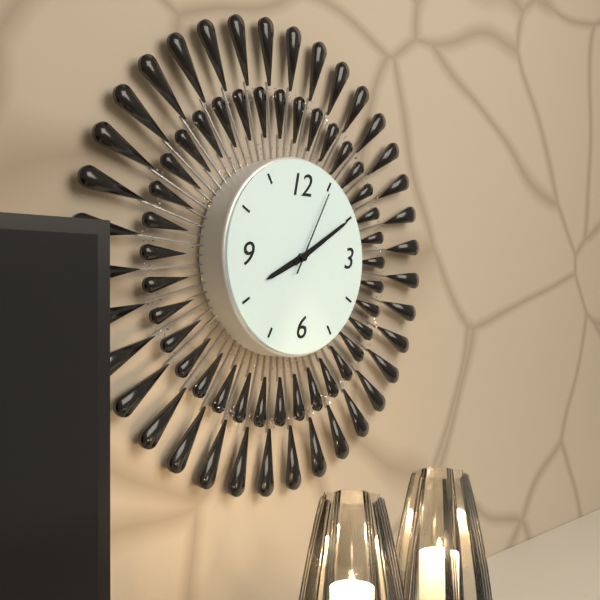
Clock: 8:10:05
